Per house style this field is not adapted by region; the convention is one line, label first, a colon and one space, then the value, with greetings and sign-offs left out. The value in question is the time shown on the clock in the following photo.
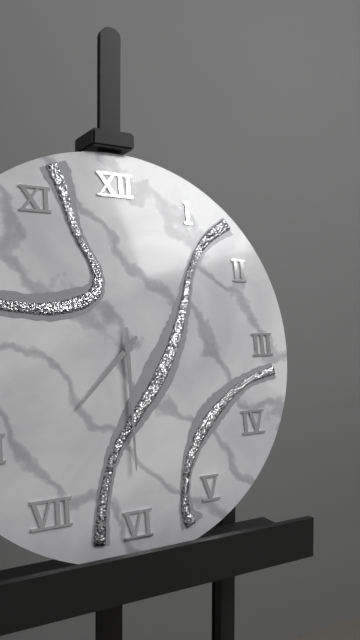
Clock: 7:30
